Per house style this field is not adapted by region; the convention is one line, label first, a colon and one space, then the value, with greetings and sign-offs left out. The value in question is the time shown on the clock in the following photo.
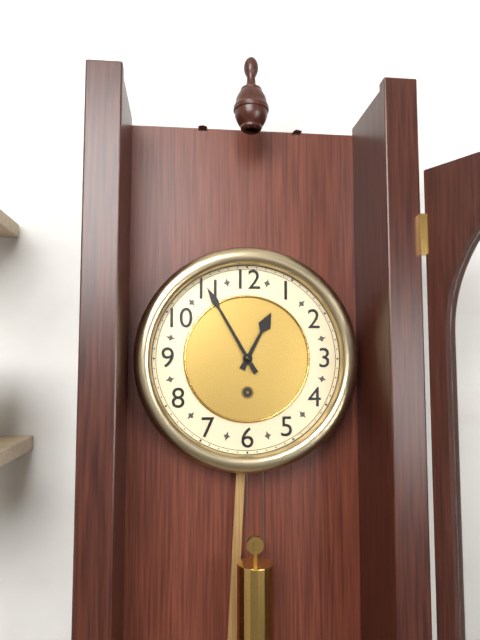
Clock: 12:55
